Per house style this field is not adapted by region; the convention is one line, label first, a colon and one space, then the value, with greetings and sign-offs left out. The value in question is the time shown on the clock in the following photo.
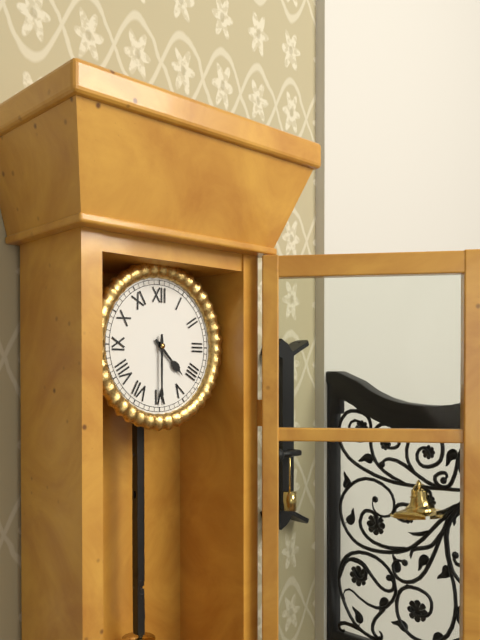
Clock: 4:30
